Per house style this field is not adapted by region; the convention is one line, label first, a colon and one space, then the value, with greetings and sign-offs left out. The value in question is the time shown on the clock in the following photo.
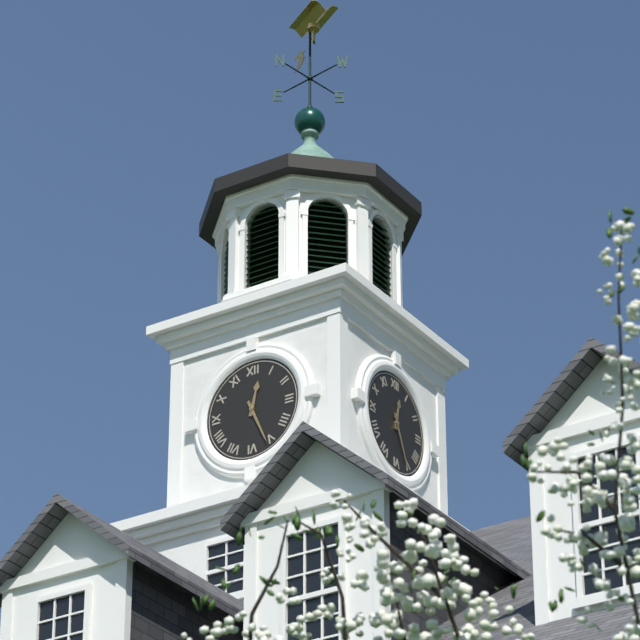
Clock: 12:26
